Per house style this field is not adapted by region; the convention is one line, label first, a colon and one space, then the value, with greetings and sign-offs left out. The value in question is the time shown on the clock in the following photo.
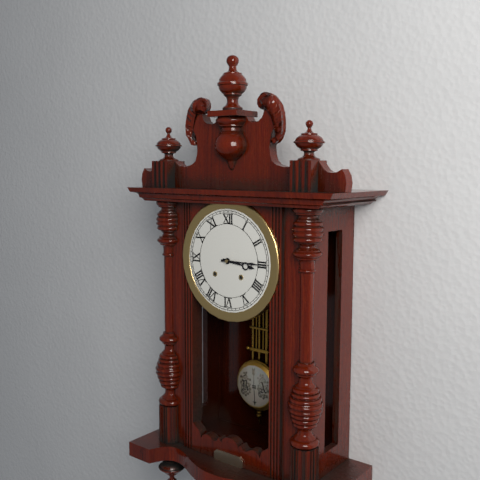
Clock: 3:15
